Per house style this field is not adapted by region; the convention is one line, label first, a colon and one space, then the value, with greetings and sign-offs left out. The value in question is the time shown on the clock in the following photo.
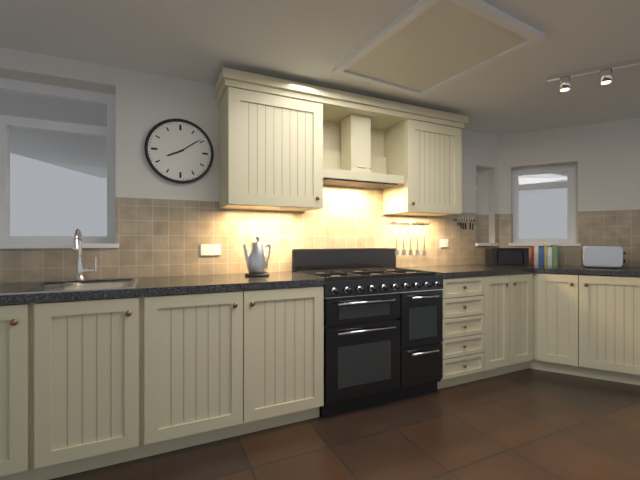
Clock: 8:09
